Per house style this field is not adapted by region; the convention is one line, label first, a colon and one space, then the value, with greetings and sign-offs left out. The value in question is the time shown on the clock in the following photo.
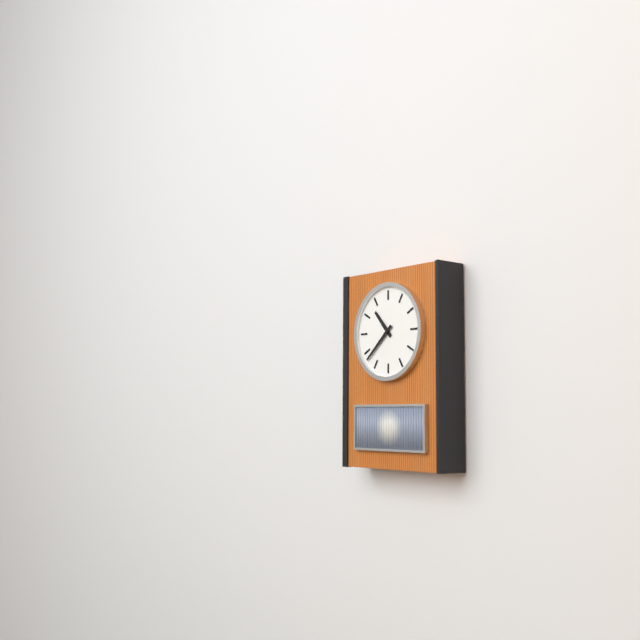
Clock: 10:38
